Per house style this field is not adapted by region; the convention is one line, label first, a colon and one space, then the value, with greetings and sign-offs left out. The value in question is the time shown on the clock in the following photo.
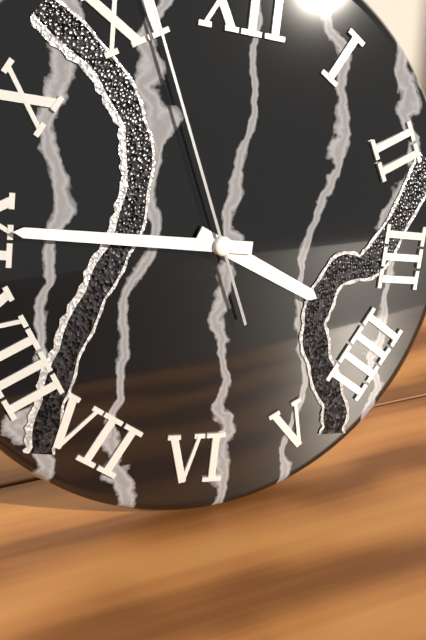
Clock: 3:45
